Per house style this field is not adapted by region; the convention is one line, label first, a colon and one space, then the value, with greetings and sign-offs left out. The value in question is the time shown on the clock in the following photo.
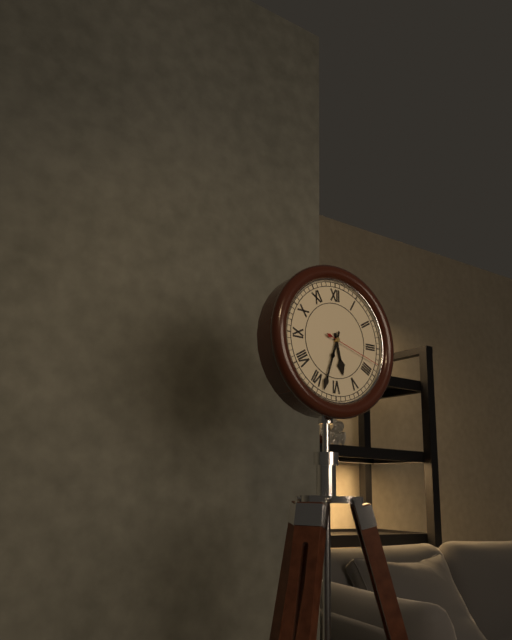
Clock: 5:33:18
